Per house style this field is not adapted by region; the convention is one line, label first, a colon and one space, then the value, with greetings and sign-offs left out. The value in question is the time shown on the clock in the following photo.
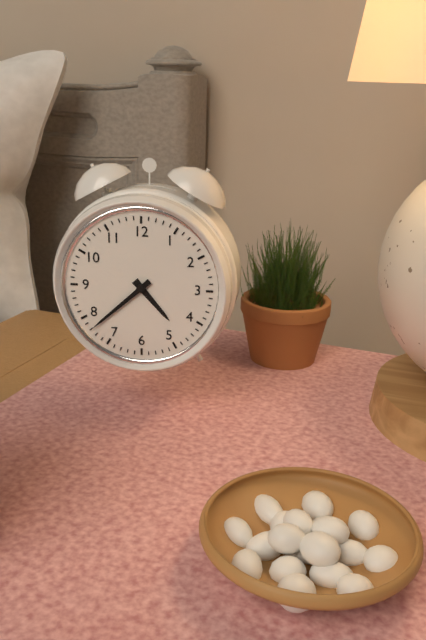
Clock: 4:38
